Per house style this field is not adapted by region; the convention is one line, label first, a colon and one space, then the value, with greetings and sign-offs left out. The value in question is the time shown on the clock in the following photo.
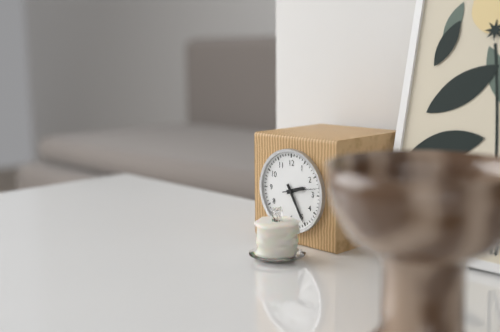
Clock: 2:25
